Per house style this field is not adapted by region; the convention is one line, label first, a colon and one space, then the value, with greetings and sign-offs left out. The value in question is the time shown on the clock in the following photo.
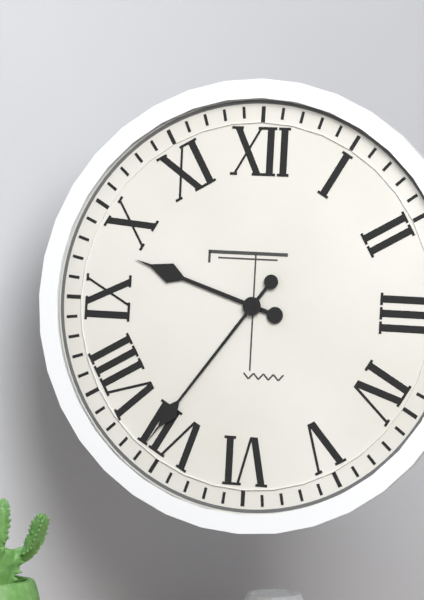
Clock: 9:36
